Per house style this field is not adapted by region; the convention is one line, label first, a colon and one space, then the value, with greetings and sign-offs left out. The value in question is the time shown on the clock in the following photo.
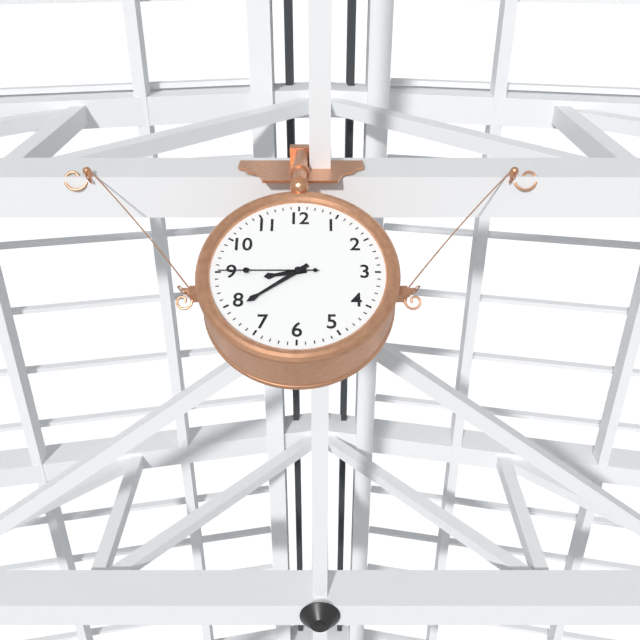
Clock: 8:39:45
